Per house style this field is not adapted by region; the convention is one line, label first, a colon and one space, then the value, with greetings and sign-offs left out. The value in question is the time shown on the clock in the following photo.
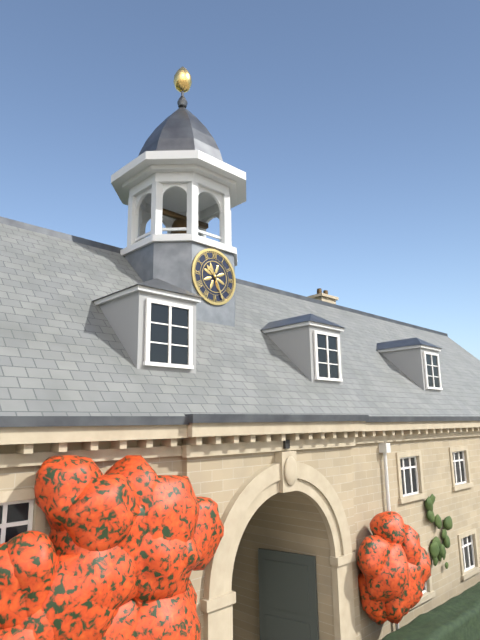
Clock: 10:26
